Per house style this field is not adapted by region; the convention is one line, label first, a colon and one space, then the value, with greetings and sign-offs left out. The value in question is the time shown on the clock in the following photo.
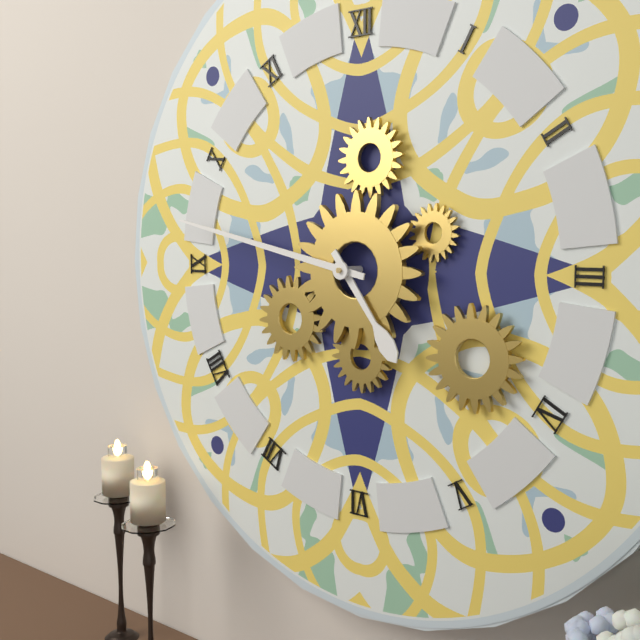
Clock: 4:47
